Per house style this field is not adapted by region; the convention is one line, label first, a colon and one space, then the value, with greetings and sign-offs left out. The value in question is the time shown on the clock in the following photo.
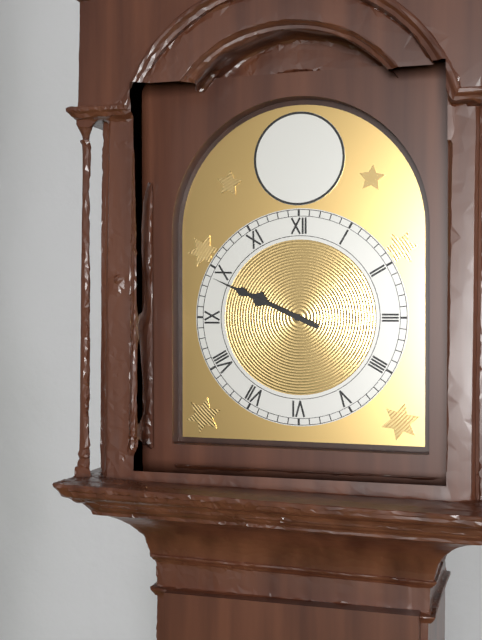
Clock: 9:49
